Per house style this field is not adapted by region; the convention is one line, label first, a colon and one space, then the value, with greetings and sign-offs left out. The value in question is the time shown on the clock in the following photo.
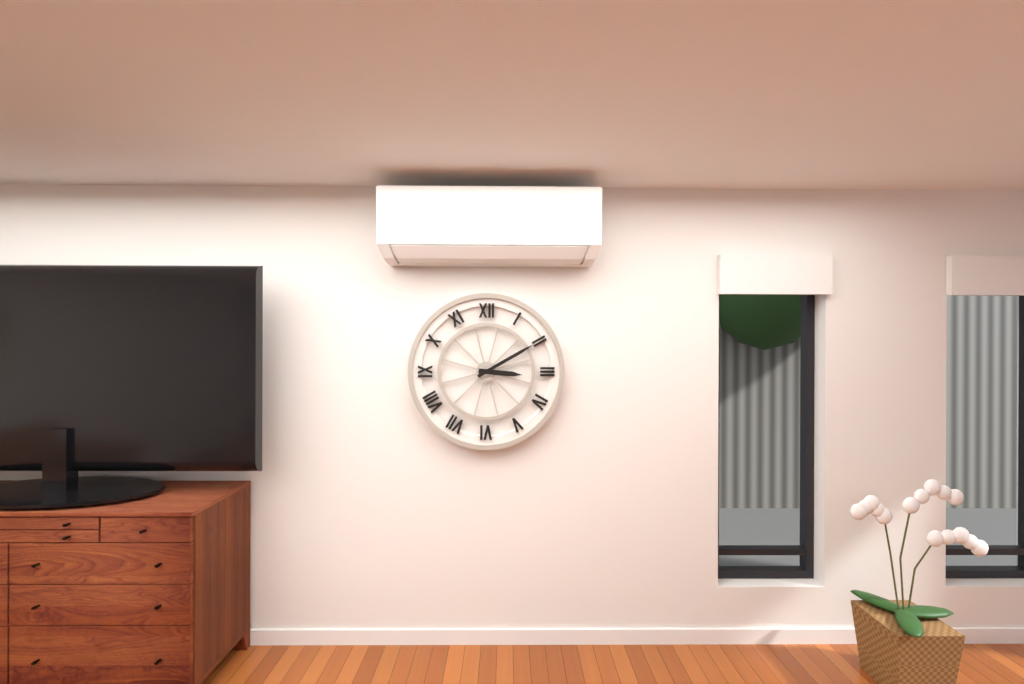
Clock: 3:10
